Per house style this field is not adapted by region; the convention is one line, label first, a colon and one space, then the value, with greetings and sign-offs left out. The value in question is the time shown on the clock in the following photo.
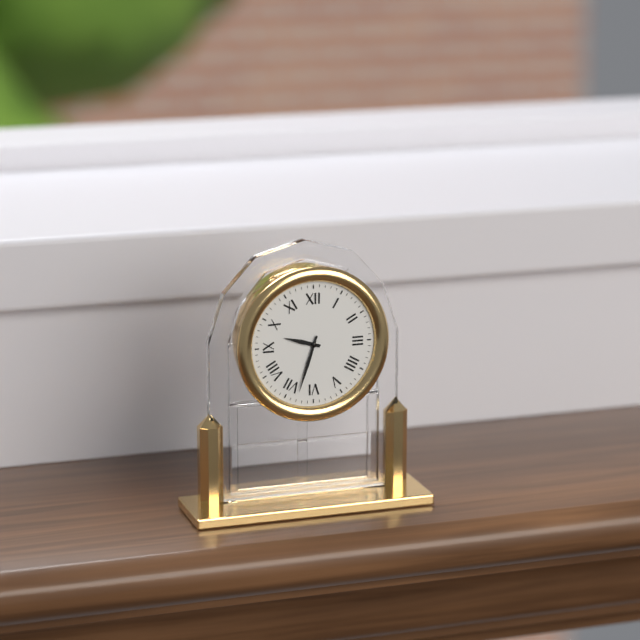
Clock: 9:33
